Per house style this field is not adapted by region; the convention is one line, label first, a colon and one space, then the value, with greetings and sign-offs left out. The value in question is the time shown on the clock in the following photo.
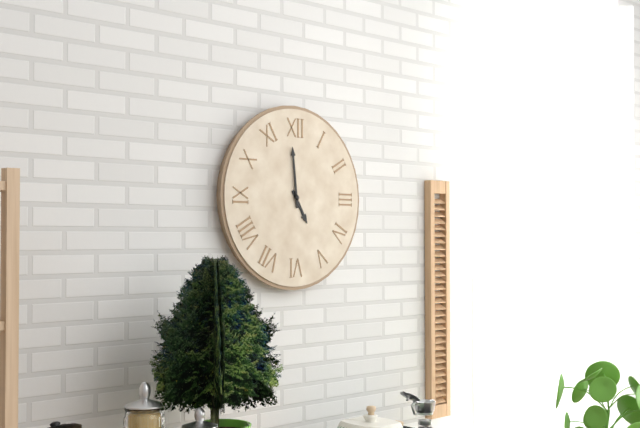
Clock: 4:59
